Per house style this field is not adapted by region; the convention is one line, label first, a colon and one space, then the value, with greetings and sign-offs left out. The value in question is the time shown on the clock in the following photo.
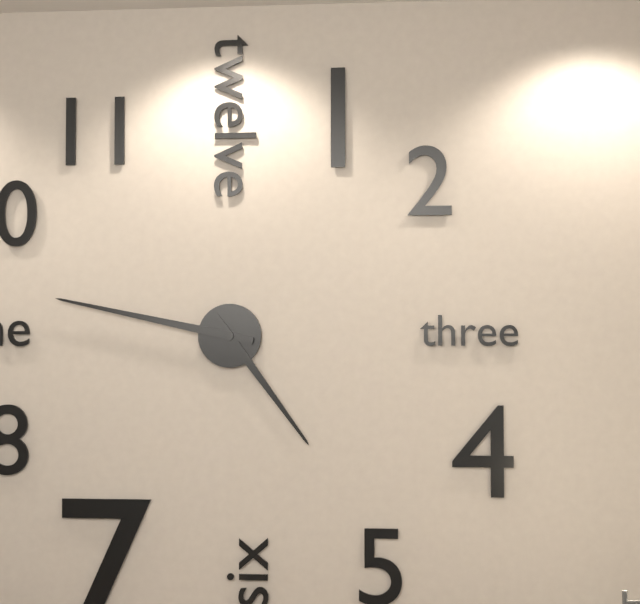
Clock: 4:47
